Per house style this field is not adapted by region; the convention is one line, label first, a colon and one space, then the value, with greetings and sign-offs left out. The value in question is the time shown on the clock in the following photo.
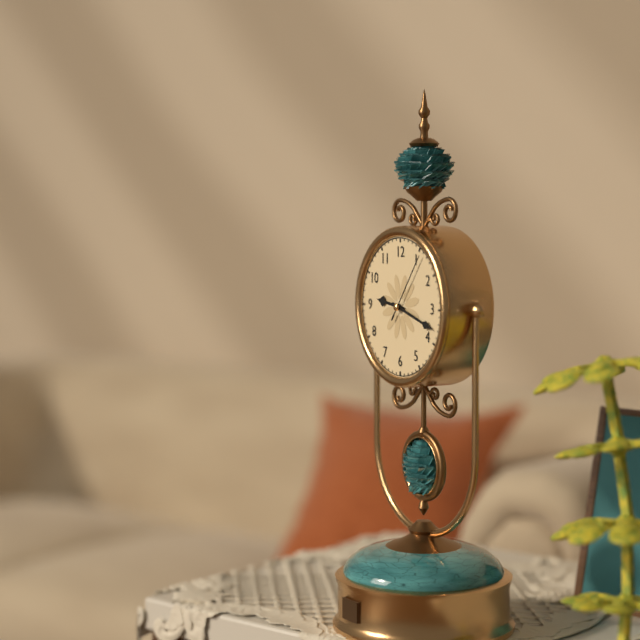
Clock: 9:18:06
